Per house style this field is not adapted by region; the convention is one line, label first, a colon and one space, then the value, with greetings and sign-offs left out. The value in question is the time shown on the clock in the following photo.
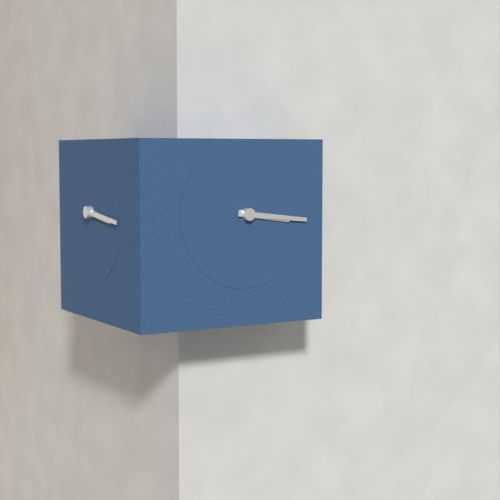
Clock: 3:16
